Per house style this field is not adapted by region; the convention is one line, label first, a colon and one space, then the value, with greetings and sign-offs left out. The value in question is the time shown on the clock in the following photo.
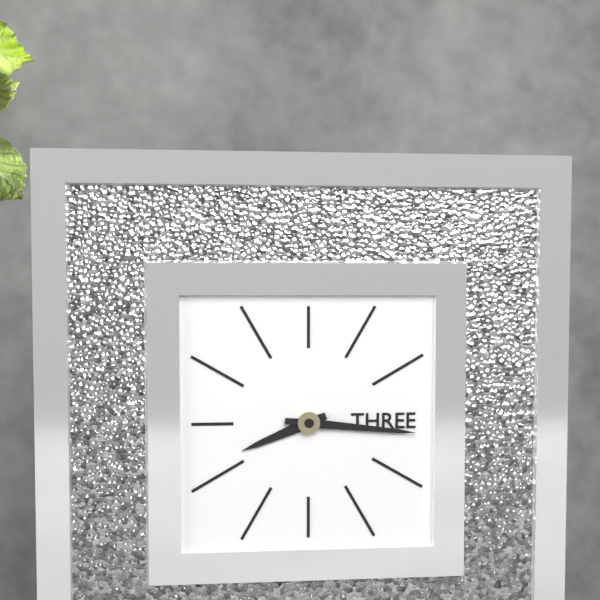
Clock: 8:16
